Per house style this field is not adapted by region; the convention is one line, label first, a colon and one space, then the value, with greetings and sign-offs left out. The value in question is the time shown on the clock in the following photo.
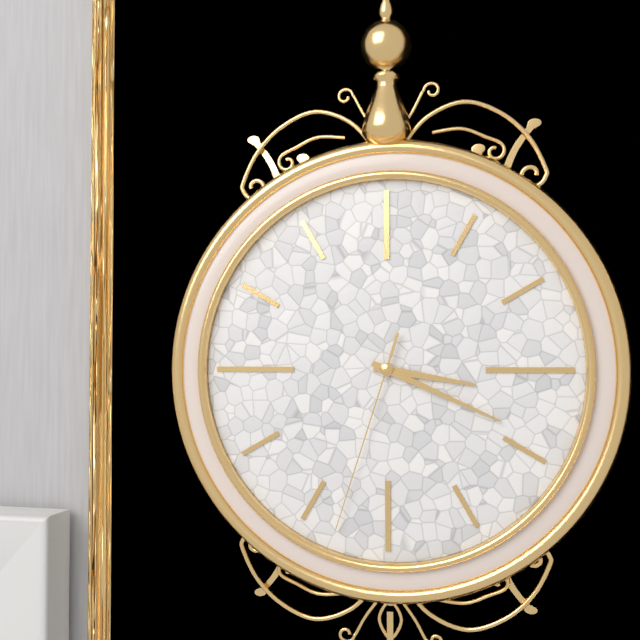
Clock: 3:19:33
